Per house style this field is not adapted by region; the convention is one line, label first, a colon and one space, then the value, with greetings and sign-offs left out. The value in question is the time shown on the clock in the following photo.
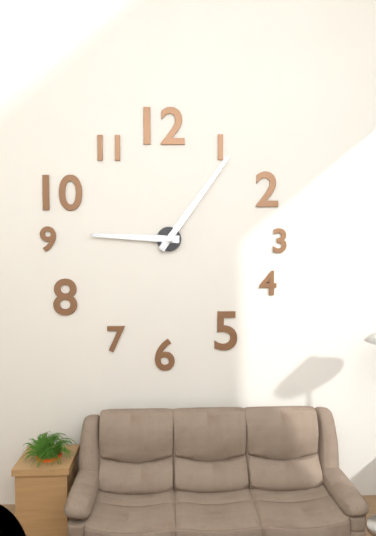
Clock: 9:06
